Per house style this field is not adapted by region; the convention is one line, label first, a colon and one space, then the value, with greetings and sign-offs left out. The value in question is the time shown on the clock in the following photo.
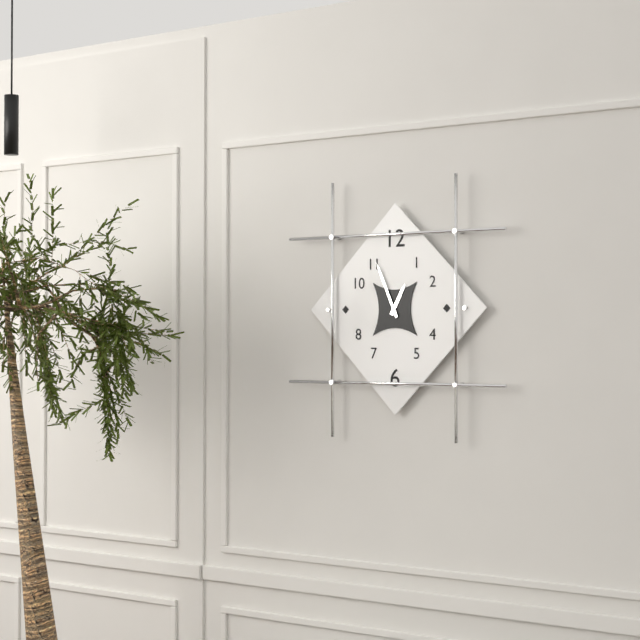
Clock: 12:56
